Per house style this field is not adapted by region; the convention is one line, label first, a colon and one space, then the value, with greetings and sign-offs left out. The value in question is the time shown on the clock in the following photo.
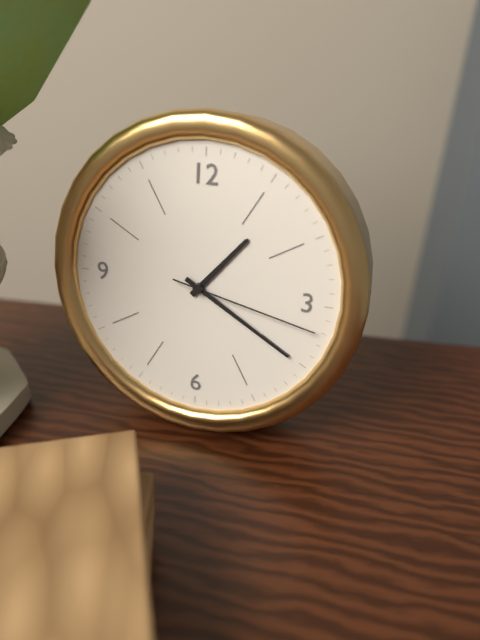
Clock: 1:20:17
